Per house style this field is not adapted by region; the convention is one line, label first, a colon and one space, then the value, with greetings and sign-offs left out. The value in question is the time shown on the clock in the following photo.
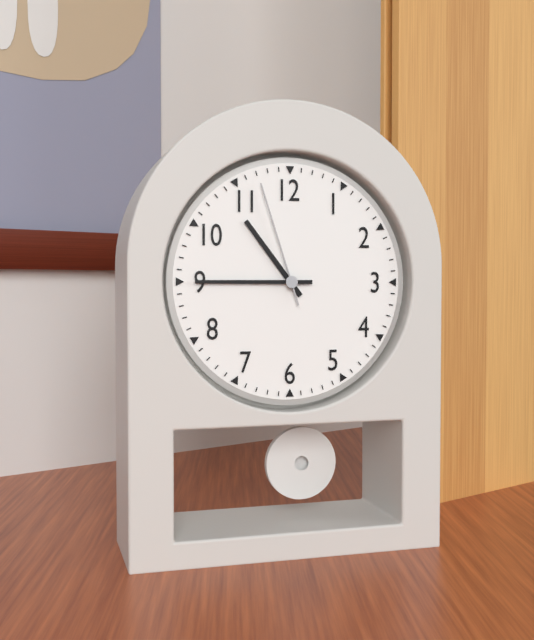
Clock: 10:45:57
